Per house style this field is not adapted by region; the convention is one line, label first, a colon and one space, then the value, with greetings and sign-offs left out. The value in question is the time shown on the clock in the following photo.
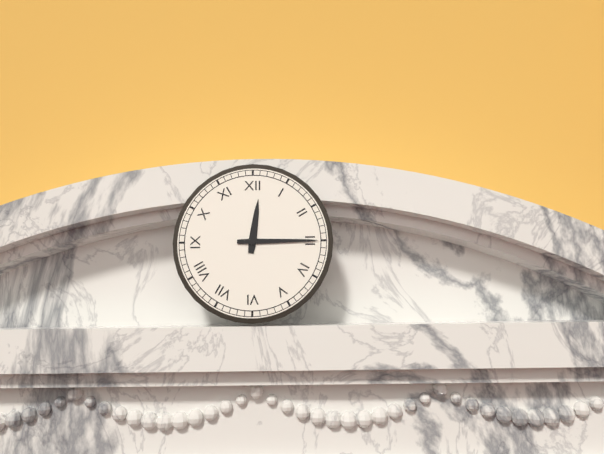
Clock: 12:15
